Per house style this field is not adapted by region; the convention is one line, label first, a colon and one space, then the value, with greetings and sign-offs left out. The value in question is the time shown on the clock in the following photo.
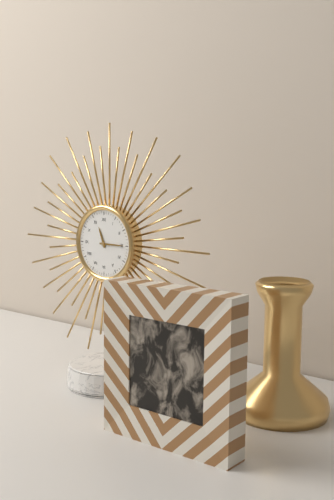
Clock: 11:15
